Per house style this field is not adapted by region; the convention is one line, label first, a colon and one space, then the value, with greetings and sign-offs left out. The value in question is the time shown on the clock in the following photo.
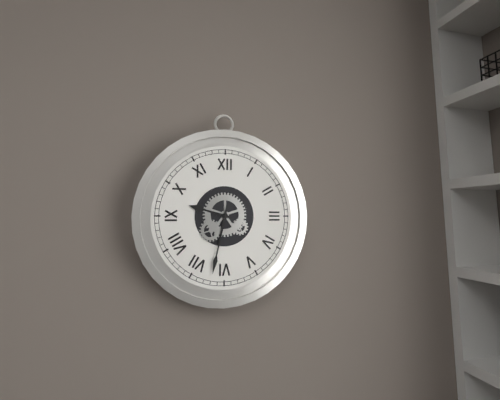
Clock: 9:32
